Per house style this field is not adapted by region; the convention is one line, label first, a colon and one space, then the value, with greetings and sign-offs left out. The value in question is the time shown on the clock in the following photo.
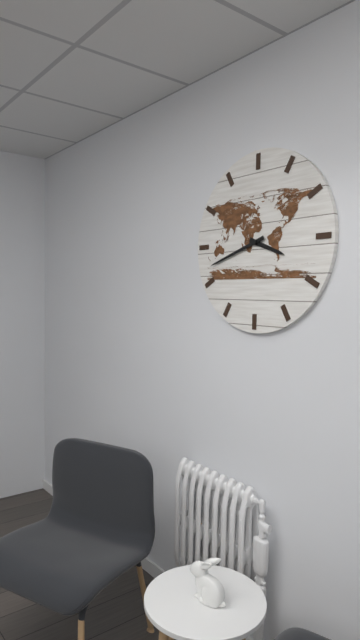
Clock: 3:42
